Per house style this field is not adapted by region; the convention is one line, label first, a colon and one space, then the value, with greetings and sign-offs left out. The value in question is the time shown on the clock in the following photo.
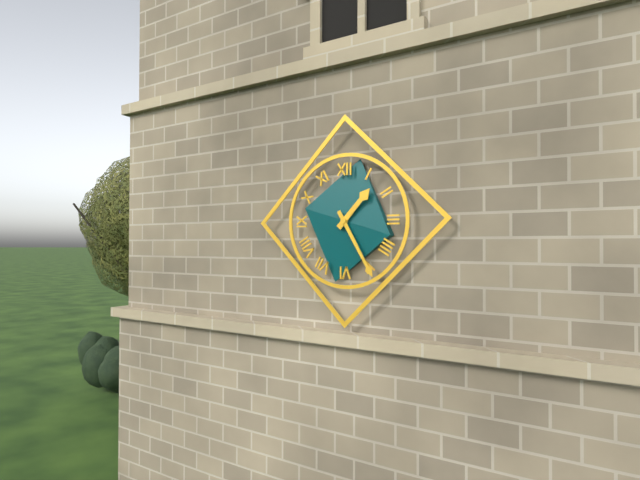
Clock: 1:25
